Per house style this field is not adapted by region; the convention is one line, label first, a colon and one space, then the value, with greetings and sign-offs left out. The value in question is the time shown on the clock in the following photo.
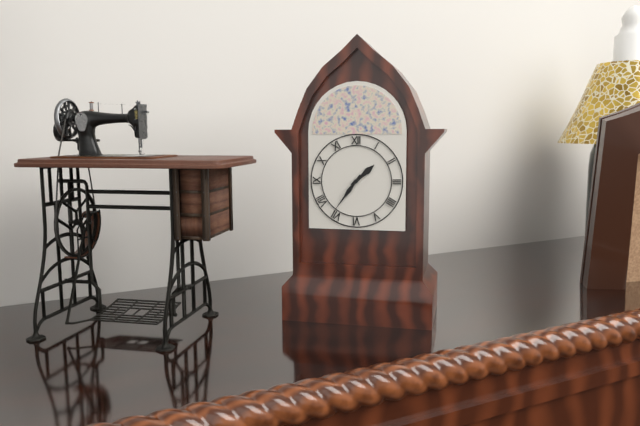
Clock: 1:36
